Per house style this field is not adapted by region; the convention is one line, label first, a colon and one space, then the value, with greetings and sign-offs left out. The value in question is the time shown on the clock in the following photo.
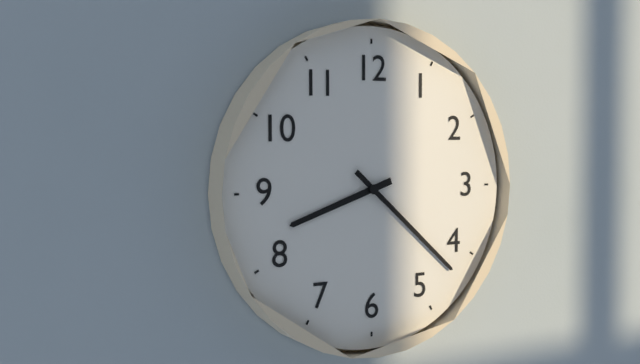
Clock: 8:22
